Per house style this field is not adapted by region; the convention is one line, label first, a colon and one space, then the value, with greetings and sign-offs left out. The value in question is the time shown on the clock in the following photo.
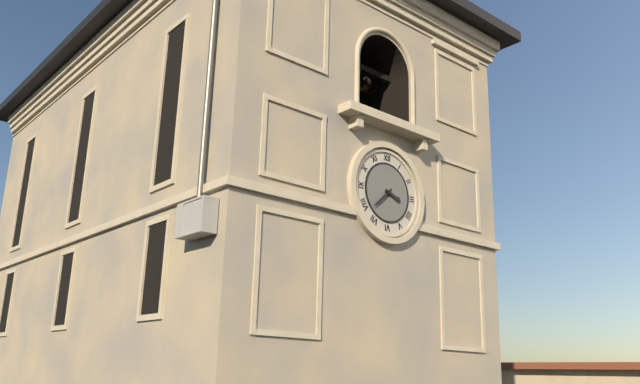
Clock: 3:38
